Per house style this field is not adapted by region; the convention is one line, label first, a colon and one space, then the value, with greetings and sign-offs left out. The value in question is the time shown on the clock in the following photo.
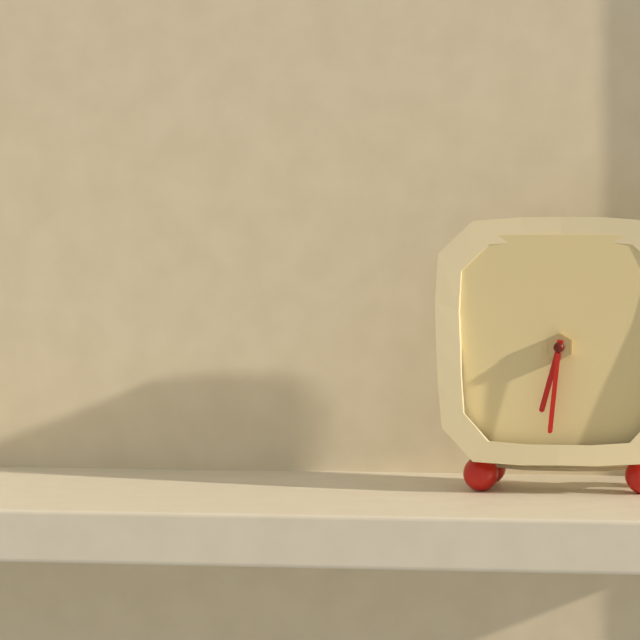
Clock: 6:31
